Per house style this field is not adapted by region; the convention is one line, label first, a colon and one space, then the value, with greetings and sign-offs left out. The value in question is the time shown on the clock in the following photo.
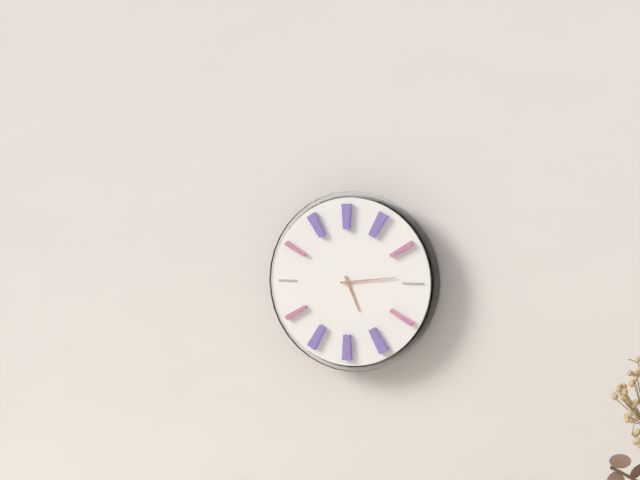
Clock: 5:14
